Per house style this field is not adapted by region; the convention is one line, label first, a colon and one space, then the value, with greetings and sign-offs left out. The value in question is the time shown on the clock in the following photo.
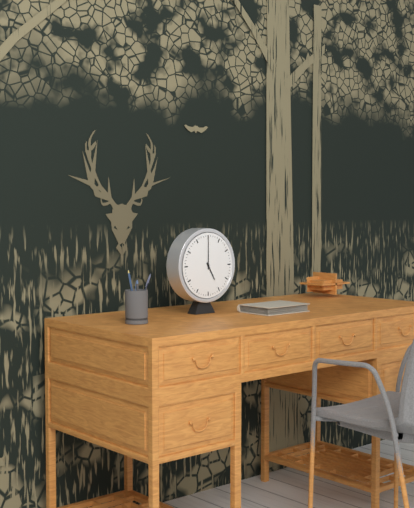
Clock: 5:00
